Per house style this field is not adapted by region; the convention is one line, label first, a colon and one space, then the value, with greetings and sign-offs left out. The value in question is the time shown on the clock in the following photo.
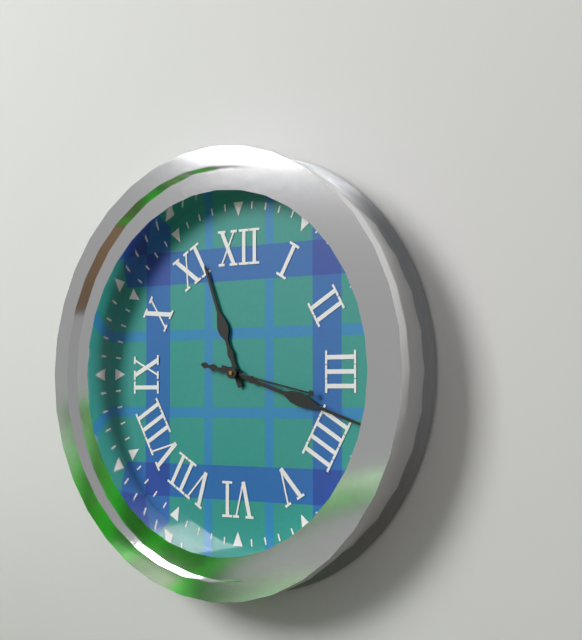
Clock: 11:18:17
